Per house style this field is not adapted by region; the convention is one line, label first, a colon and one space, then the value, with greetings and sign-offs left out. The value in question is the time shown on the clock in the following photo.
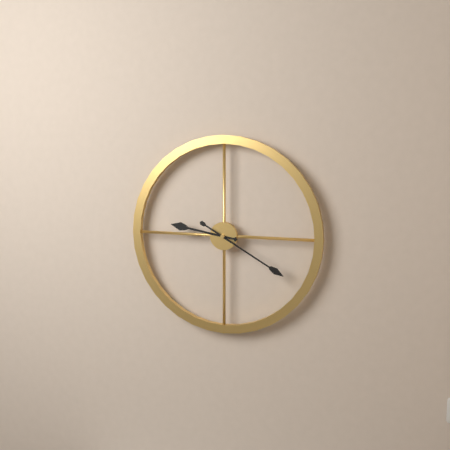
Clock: 9:20
